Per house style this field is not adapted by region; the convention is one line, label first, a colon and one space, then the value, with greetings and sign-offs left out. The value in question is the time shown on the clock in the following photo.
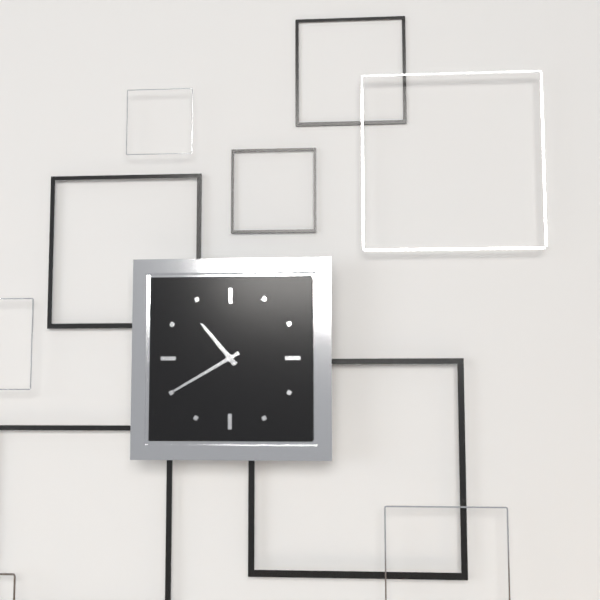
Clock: 10:40
